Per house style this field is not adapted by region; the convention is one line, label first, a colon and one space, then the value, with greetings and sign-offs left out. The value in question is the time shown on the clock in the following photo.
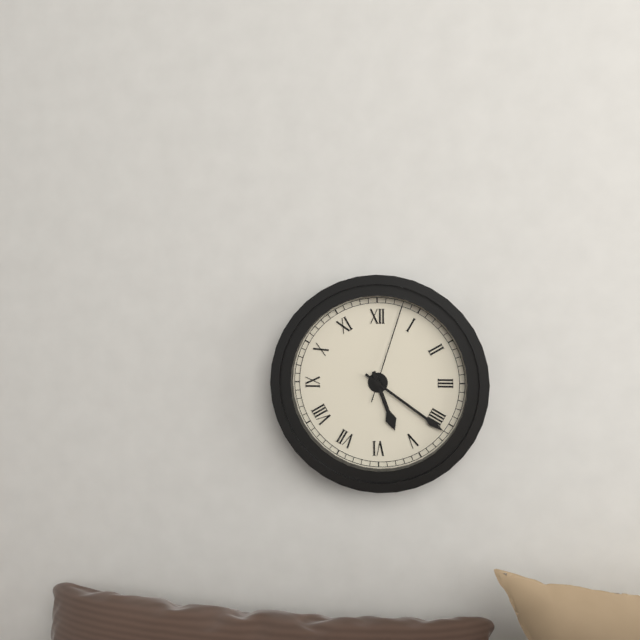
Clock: 5:21:03
